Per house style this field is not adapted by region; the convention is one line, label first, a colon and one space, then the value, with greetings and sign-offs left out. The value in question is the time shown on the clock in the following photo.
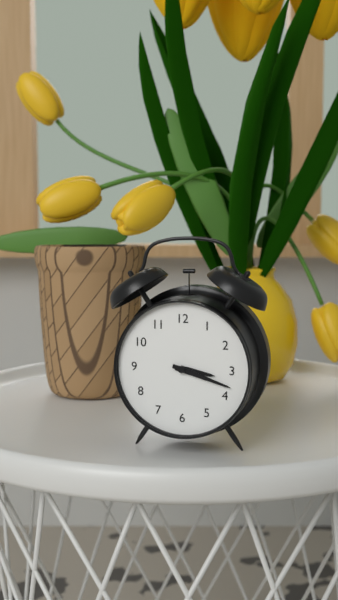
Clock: 3:18
